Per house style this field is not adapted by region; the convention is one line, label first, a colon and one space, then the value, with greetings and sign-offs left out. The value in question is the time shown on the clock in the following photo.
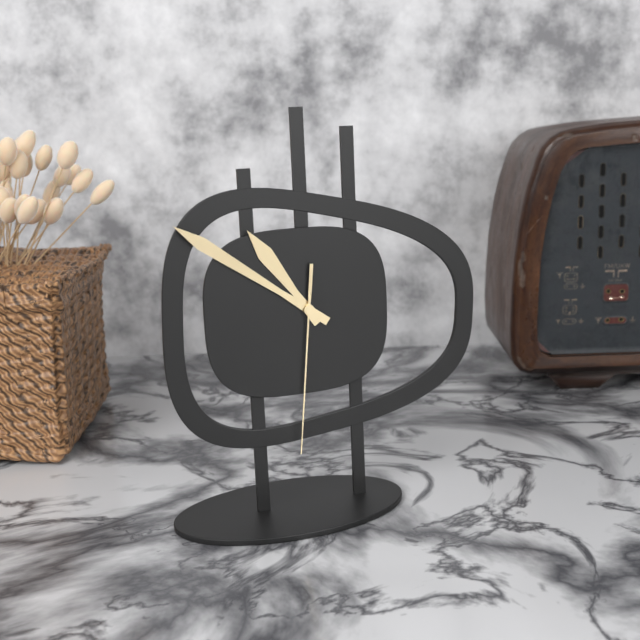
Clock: 10:51:31
